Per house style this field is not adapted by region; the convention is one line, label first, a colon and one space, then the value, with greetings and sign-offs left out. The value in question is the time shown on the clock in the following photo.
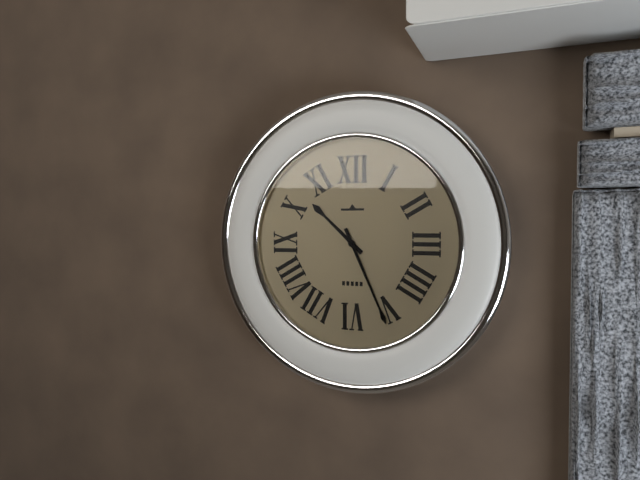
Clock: 10:26
